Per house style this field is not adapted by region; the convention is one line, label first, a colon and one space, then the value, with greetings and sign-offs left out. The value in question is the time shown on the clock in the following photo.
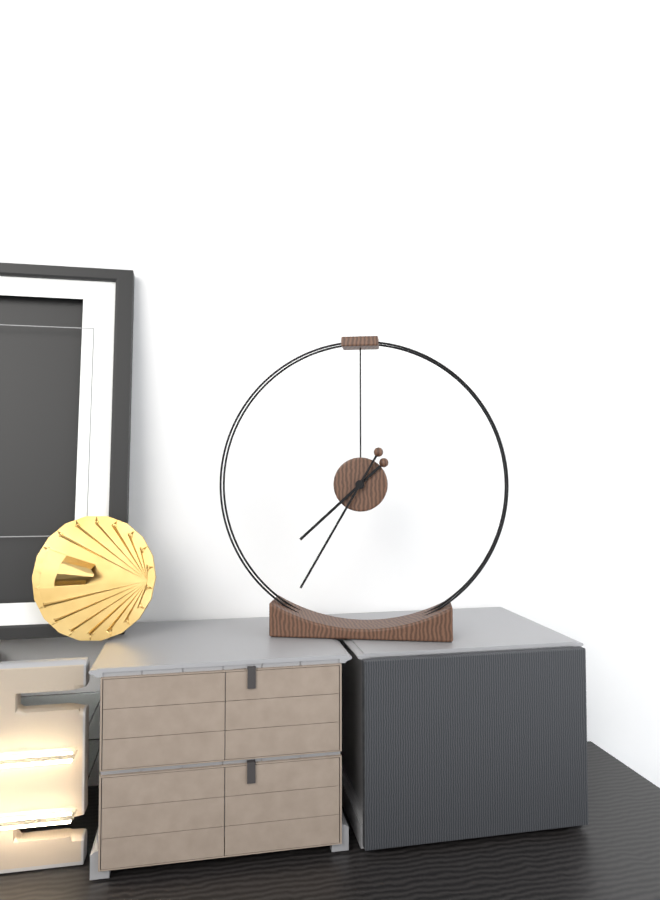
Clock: 7:35
